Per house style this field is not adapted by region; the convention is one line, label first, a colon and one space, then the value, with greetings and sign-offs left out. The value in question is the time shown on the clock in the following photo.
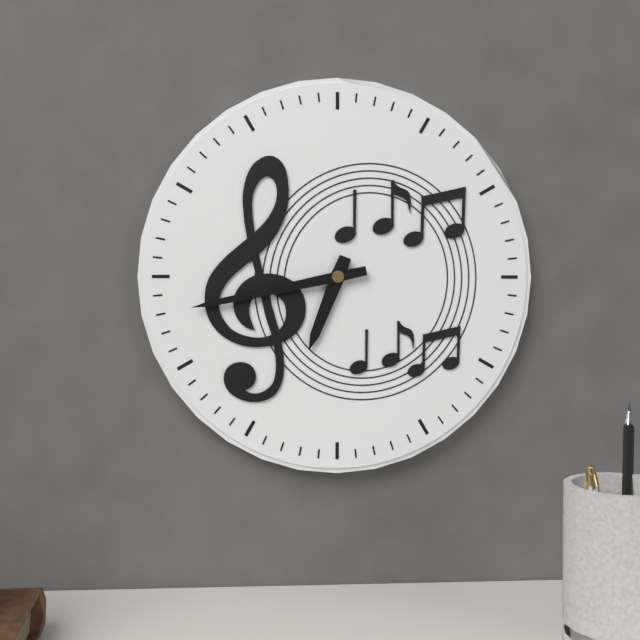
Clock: 6:43
